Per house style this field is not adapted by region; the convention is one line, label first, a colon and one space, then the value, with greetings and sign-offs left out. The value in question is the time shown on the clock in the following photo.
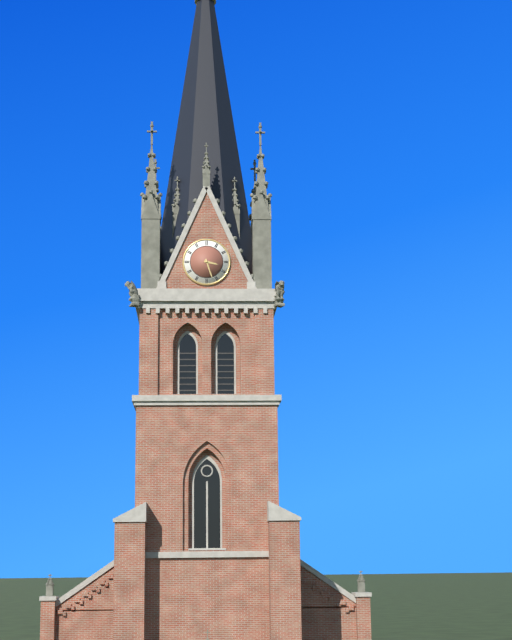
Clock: 3:27
